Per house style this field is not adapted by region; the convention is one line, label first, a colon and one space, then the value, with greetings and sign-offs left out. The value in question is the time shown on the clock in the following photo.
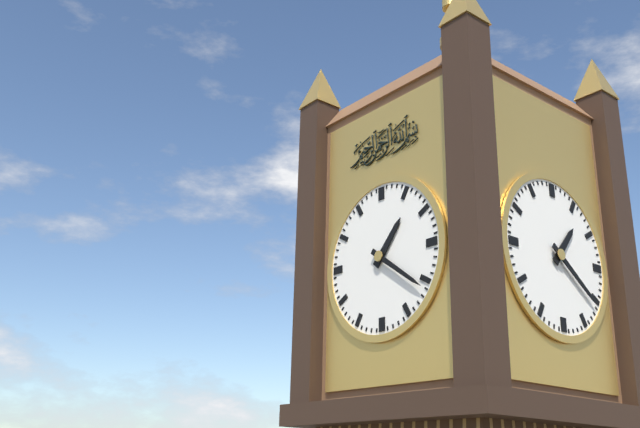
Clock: 1:21
